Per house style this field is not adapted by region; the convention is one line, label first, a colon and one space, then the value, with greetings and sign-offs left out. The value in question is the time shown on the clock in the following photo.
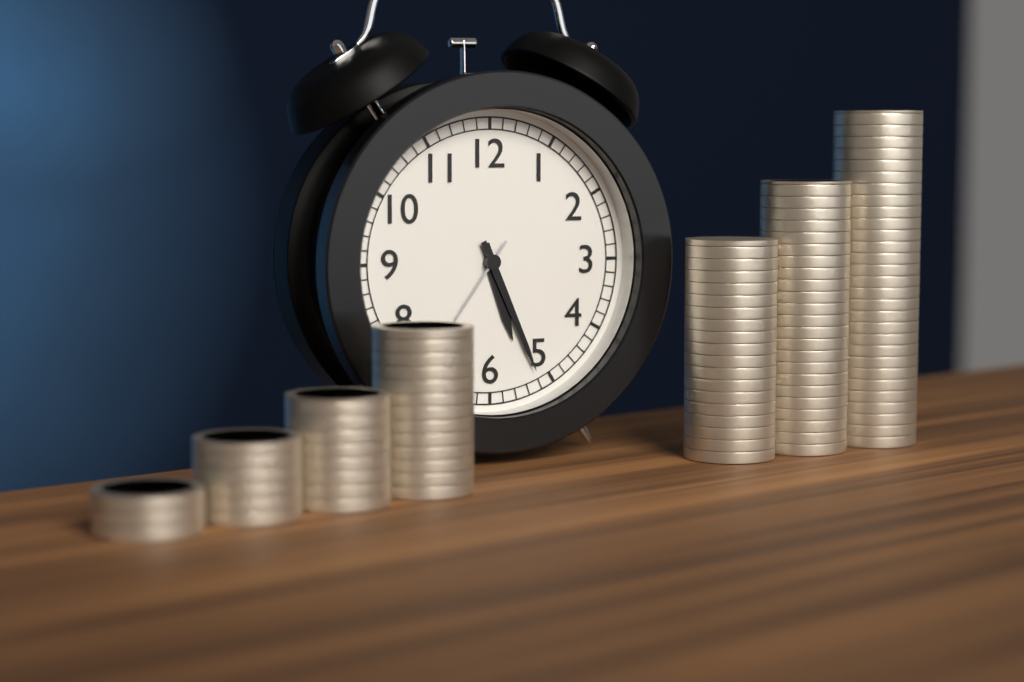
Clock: 5:26:36
